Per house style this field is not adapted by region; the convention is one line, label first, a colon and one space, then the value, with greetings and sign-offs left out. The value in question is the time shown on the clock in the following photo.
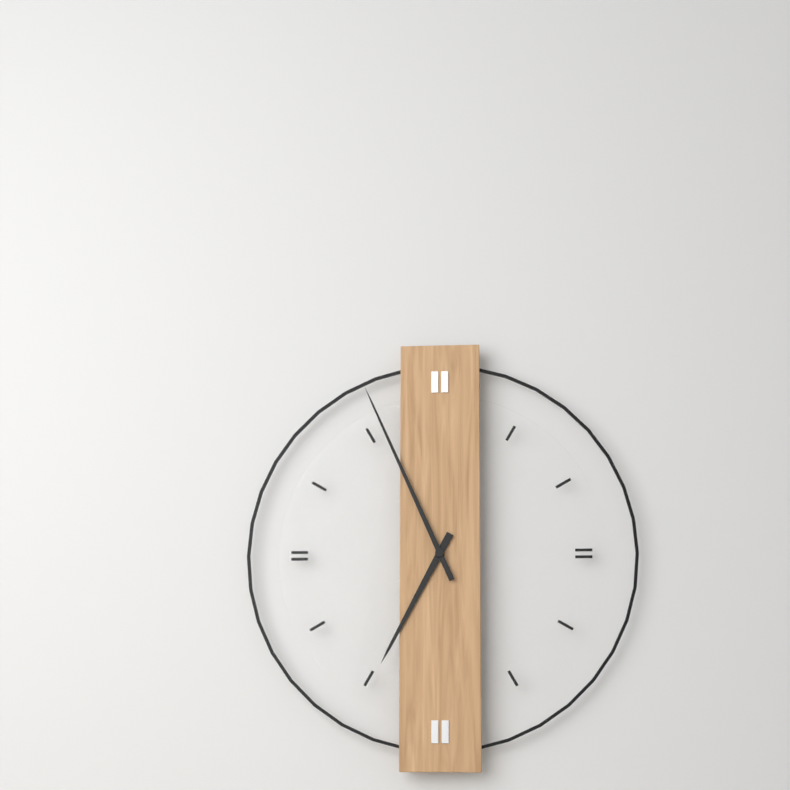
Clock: 6:56
